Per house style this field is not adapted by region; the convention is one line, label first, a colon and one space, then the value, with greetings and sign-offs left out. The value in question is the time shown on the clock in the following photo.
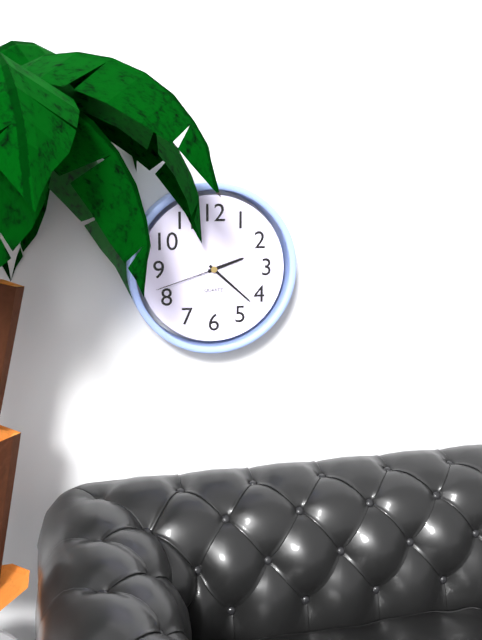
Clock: 2:22:42
